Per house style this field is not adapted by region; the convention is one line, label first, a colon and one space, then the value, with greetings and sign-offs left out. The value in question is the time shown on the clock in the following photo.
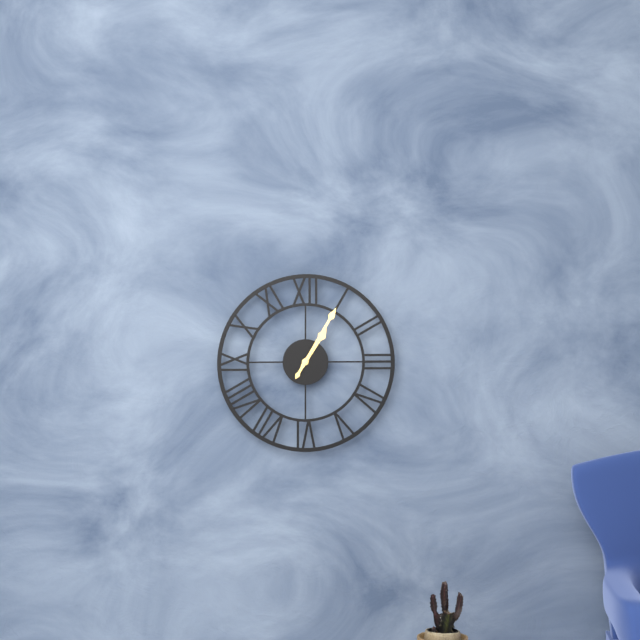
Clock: 1:05
